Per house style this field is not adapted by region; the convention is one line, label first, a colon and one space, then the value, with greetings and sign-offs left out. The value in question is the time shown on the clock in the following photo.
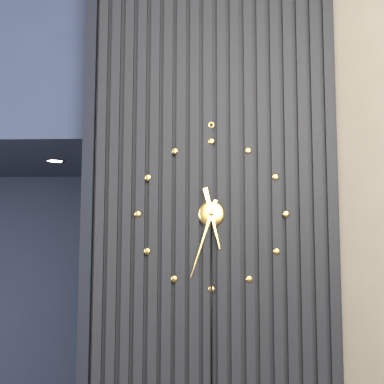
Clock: 5:33
